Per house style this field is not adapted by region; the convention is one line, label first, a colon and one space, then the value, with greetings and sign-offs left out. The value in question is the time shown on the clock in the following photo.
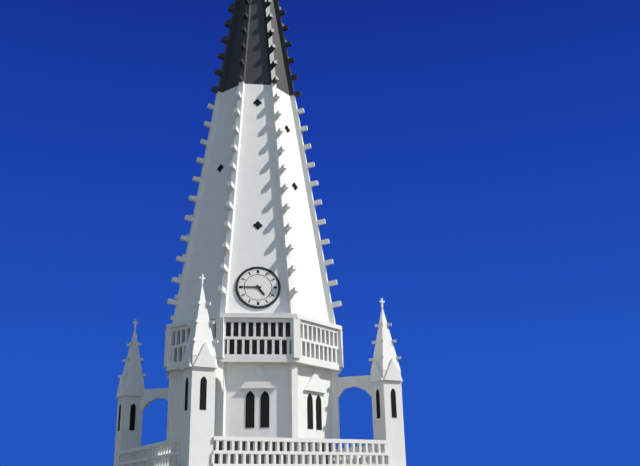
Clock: 4:45
